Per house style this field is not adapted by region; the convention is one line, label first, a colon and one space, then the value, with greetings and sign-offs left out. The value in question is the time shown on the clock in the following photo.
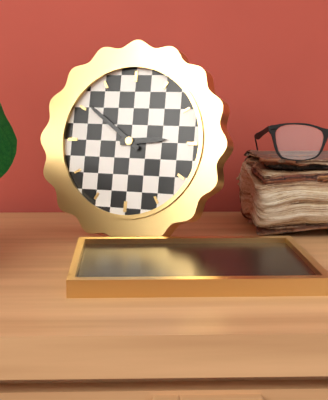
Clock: 2:51
